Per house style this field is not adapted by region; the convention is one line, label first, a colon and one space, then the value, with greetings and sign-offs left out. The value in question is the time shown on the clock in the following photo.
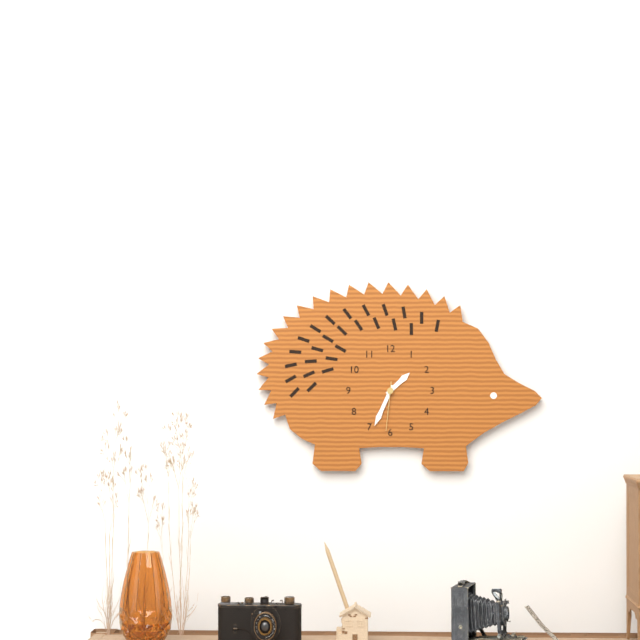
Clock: 1:34:31
